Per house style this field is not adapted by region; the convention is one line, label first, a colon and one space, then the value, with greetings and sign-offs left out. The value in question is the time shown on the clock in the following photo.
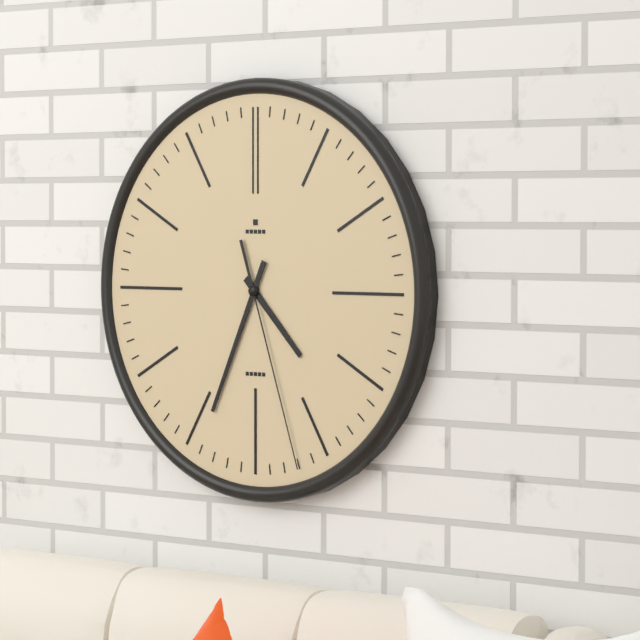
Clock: 4:34:27
